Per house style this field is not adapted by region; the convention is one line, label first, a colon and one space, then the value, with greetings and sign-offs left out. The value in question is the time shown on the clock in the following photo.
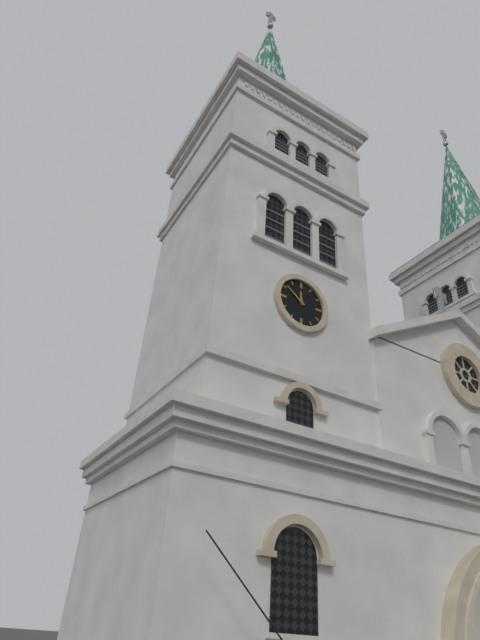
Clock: 11:51
